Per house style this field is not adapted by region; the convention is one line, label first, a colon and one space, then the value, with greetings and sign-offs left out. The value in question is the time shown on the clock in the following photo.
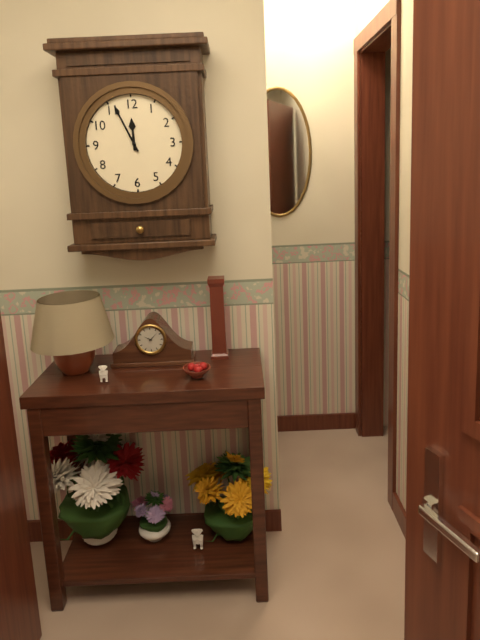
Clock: 11:56
